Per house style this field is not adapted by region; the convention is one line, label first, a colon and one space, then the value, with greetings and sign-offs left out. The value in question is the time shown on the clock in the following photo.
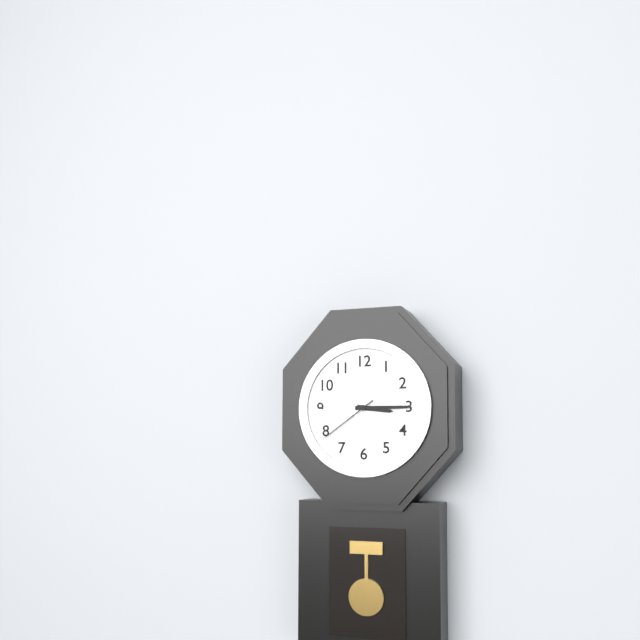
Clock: 3:15:39
